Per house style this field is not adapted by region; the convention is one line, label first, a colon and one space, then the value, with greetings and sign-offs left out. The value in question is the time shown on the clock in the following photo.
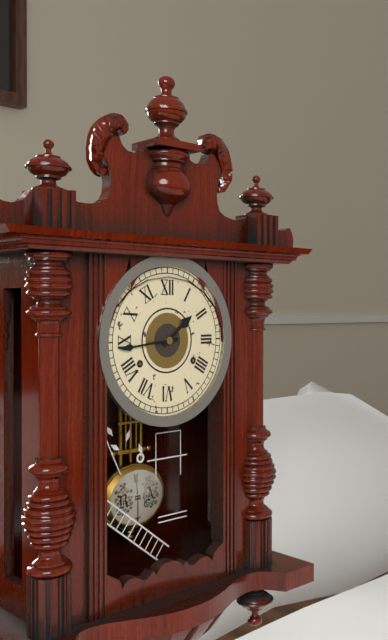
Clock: 1:44
